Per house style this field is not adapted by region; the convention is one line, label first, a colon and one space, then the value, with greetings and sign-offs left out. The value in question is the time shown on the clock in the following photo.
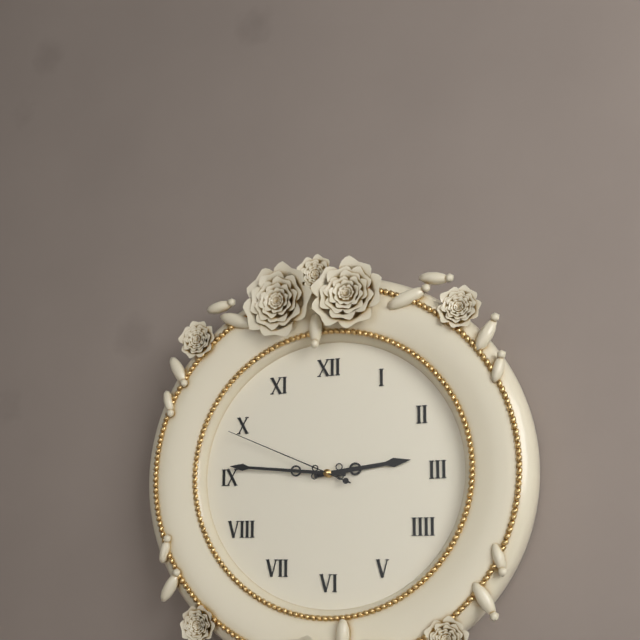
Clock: 2:46:49
